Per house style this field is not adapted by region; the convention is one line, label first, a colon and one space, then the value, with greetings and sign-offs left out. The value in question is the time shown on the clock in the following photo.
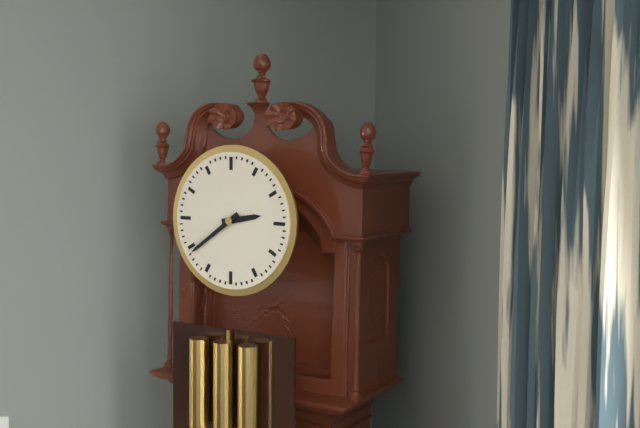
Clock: 2:39
